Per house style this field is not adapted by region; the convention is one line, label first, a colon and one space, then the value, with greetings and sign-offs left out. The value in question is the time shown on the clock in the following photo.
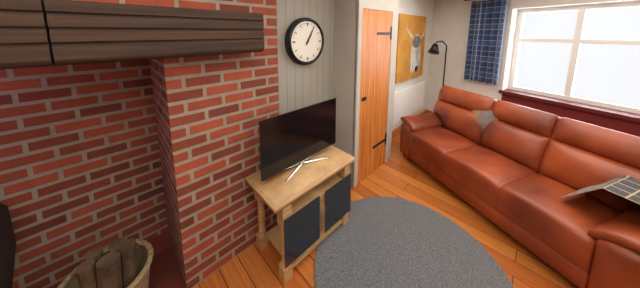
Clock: 1:05
